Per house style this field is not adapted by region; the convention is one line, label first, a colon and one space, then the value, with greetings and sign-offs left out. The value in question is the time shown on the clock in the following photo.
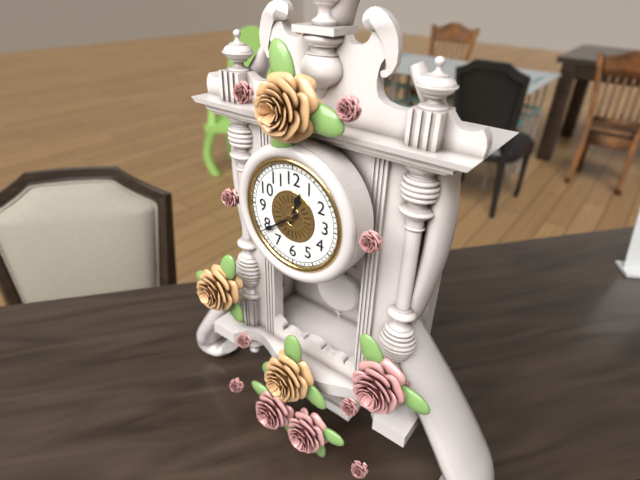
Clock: 12:39
